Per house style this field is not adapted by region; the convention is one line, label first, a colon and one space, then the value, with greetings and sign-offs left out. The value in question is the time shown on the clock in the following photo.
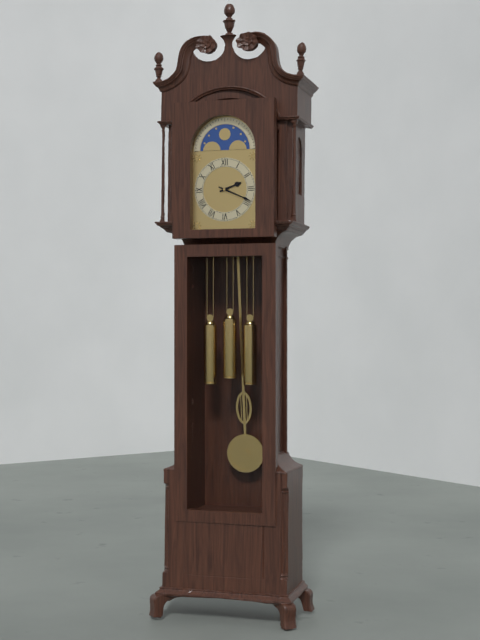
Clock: 2:19
